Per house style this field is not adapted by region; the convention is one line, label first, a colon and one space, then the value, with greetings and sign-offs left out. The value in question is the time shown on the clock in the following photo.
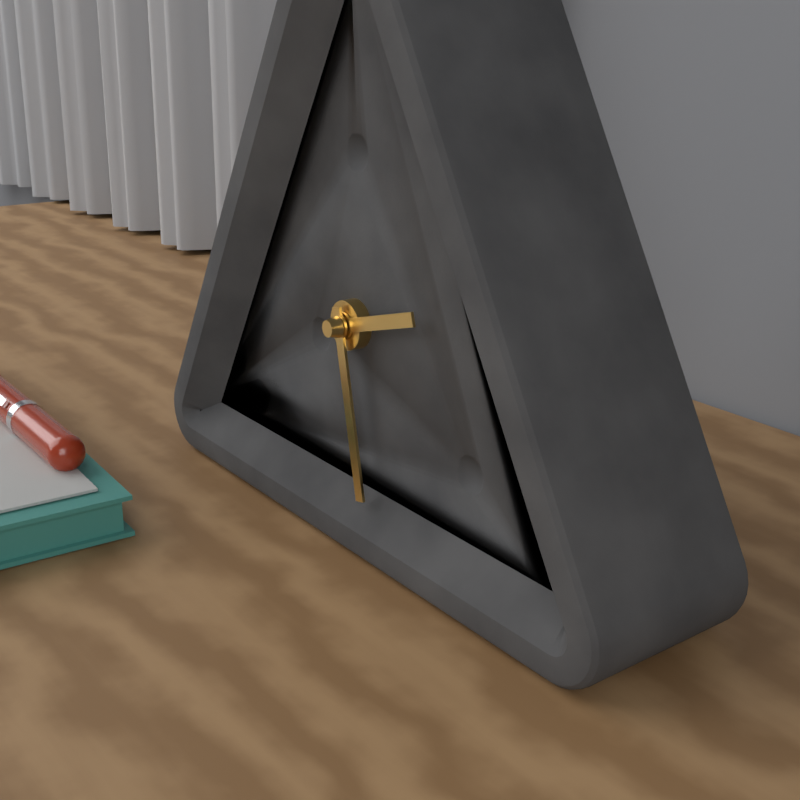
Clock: 2:28
